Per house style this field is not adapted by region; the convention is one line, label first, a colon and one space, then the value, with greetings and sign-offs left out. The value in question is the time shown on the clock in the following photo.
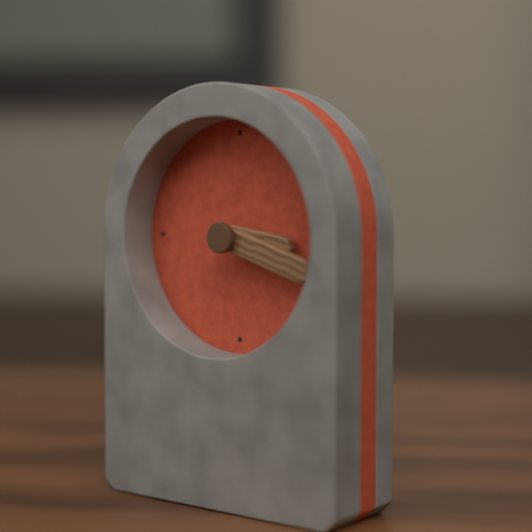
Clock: 3:18
